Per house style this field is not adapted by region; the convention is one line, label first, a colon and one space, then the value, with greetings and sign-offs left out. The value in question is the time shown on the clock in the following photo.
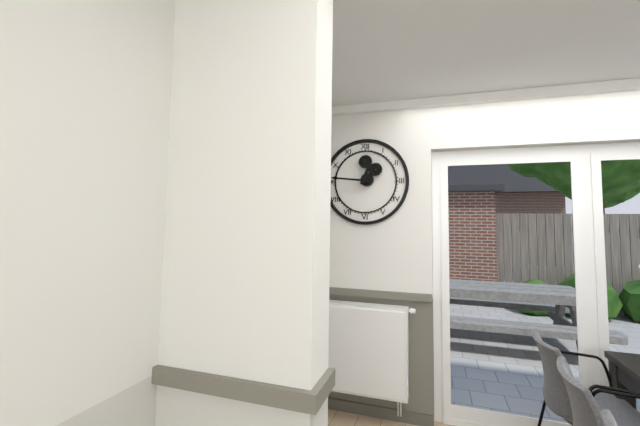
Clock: 12:46
